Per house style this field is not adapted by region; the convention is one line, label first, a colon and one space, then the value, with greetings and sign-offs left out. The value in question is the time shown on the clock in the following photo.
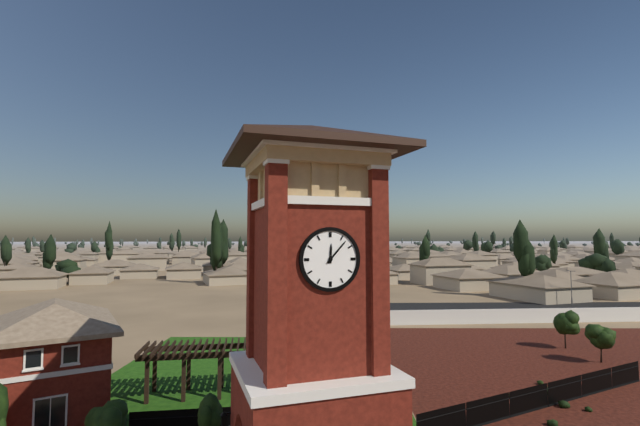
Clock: 12:07
